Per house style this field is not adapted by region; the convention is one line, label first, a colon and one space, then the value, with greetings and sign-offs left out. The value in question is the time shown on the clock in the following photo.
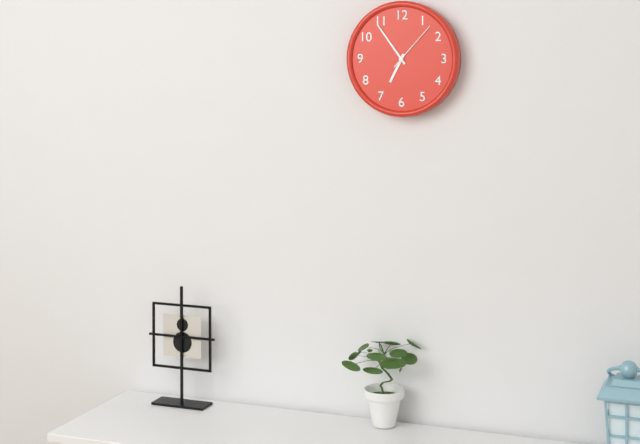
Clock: 6:54:07
